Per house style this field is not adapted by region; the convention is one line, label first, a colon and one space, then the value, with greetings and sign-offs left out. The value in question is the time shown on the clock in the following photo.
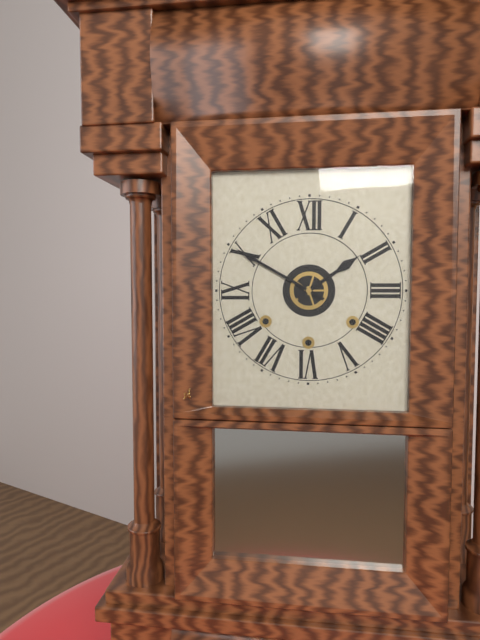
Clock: 1:50
